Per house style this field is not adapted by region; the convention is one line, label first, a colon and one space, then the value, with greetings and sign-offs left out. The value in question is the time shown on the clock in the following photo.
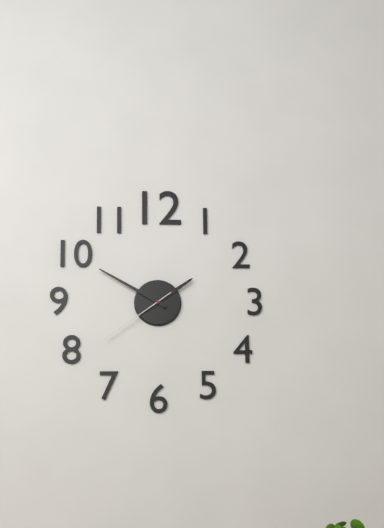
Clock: 1:50:39
